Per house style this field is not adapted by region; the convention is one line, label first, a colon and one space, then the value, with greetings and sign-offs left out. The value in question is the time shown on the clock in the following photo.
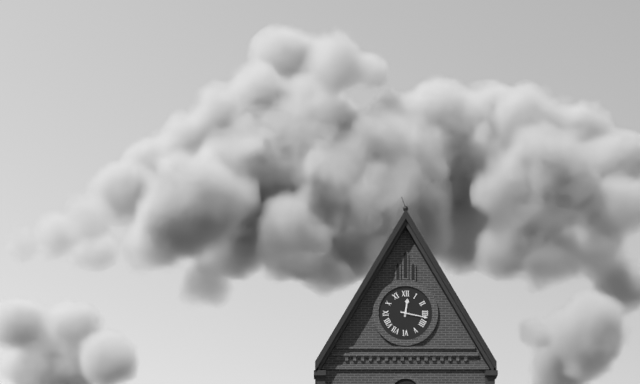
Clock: 12:17
